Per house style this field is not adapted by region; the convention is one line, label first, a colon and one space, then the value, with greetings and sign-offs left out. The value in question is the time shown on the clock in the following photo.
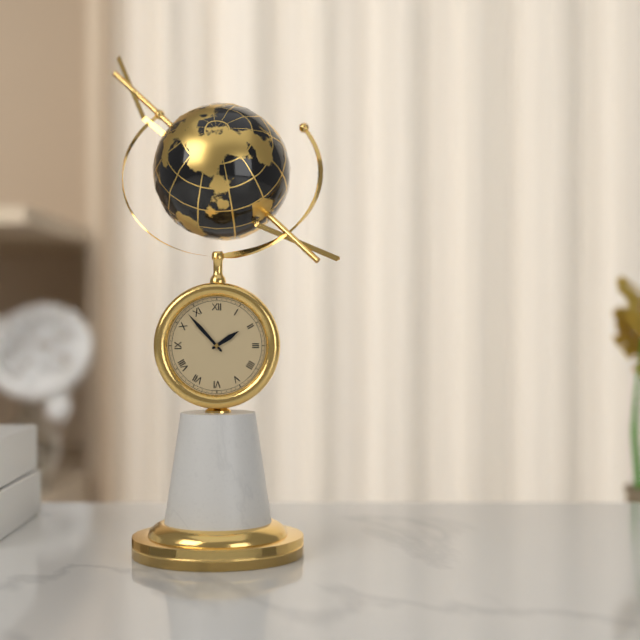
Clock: 1:53
